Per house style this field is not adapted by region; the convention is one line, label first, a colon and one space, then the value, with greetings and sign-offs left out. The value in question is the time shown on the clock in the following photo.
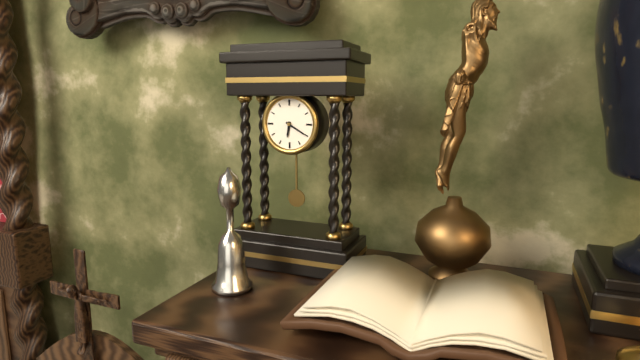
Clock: 6:20
